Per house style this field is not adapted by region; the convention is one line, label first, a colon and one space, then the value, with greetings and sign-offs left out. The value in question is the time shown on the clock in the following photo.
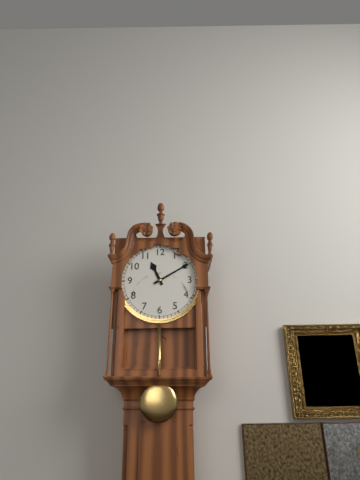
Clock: 11:10
